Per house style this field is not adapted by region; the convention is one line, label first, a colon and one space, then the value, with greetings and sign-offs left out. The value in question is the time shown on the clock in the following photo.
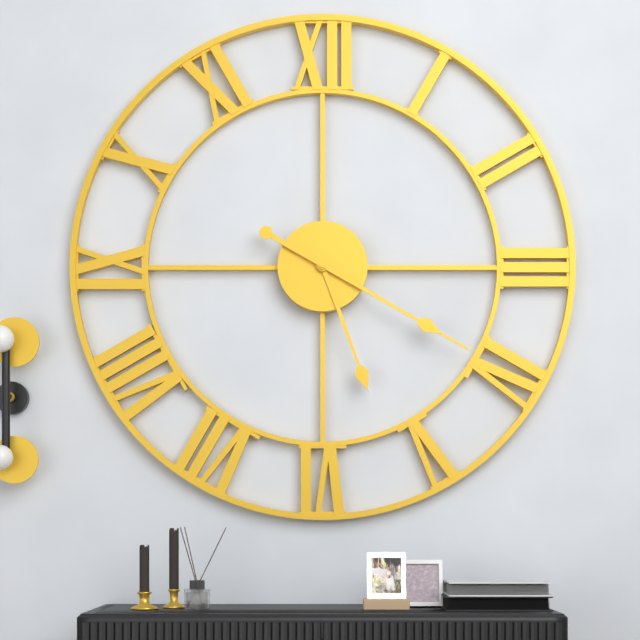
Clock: 5:20
